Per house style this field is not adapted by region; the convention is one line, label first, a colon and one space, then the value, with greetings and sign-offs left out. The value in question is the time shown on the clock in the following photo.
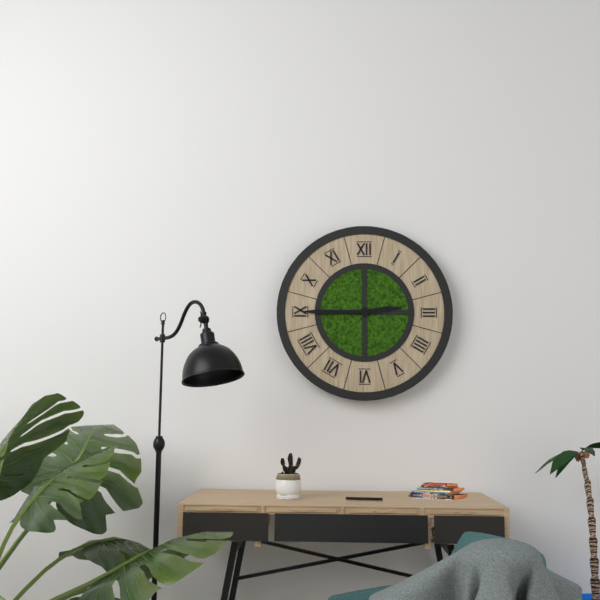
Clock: 2:45
